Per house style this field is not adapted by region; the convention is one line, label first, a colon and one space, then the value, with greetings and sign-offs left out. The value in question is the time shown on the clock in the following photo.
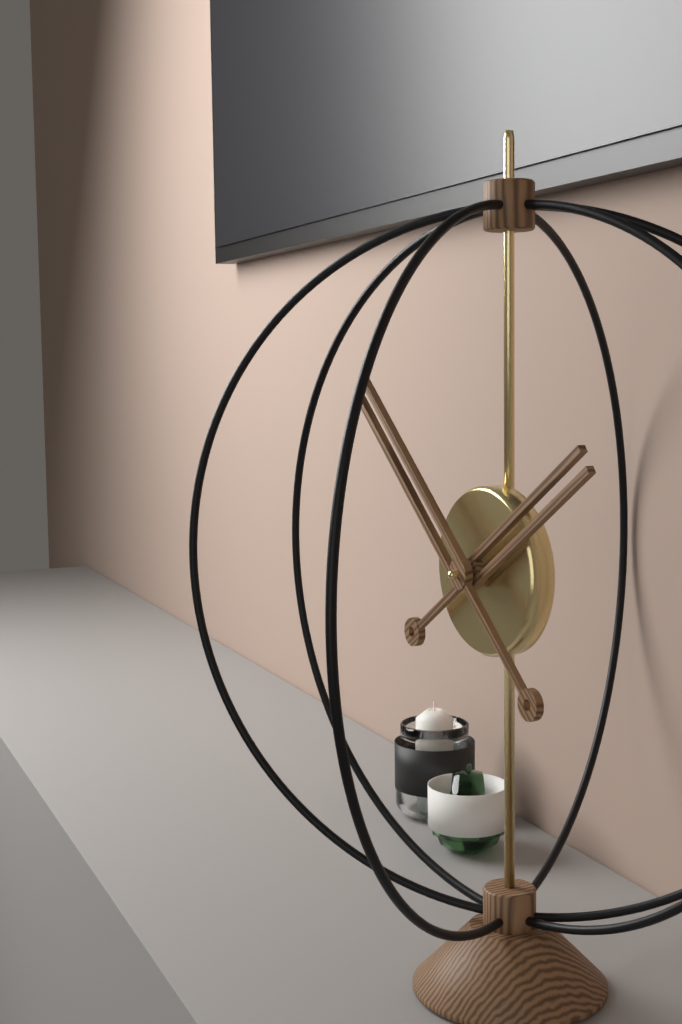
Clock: 1:52
